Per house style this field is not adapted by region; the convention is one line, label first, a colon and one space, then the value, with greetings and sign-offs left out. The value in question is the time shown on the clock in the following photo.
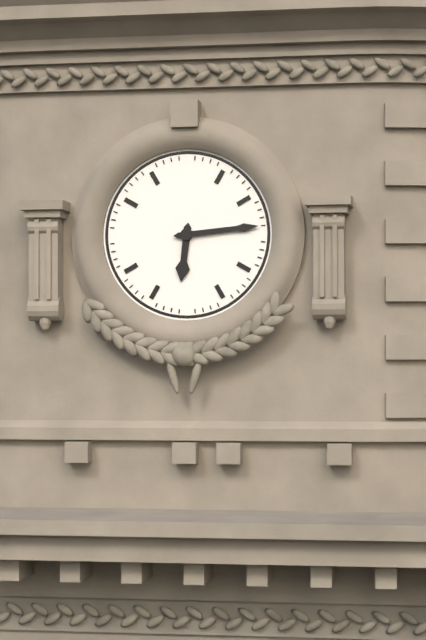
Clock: 6:14
